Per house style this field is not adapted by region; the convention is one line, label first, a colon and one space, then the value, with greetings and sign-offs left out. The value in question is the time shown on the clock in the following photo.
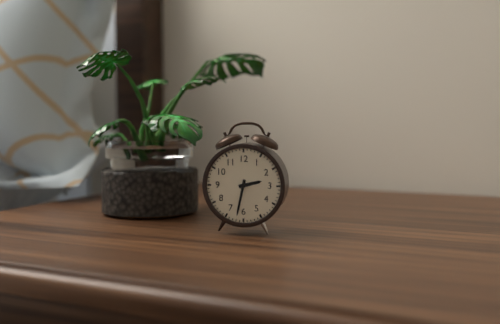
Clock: 2:32
